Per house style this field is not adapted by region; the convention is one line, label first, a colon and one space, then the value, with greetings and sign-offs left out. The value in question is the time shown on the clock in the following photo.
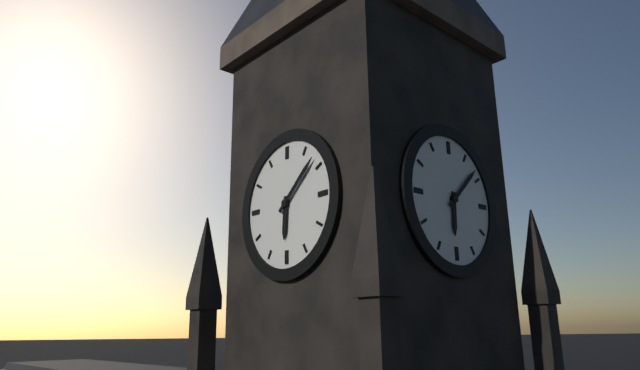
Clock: 6:08
